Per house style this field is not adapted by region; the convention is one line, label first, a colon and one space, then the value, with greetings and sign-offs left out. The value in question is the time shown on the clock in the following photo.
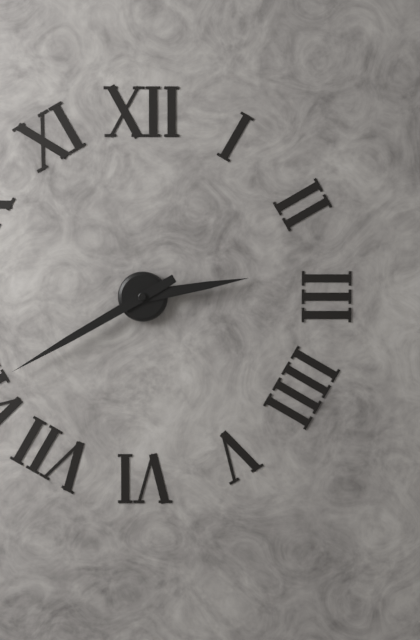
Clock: 2:40
